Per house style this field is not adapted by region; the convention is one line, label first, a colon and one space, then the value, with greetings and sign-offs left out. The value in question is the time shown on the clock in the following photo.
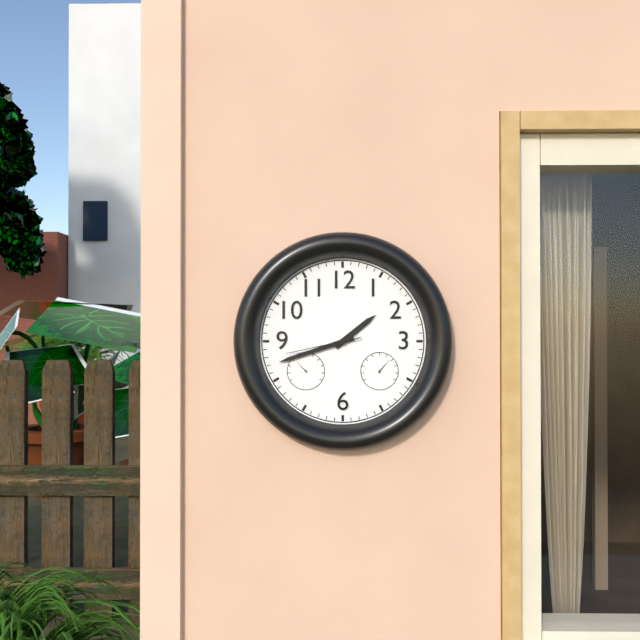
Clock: 1:42:43
